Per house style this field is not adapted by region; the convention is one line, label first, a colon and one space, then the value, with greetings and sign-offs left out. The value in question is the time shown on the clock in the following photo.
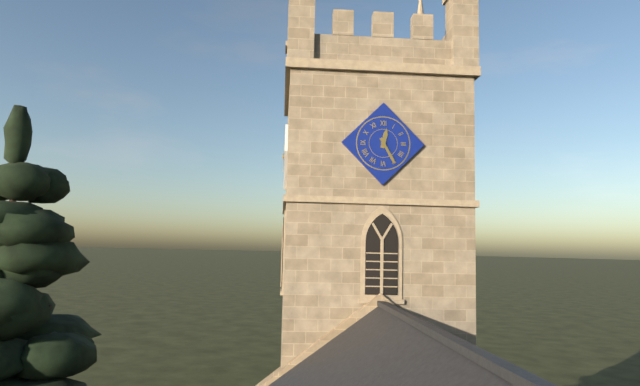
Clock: 12:25
